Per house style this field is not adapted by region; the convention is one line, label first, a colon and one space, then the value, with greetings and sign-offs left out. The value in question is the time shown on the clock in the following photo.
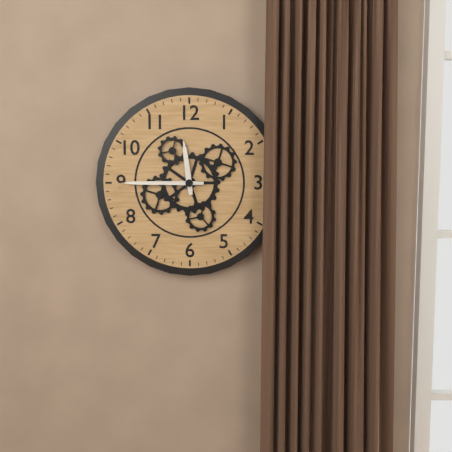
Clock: 11:45
